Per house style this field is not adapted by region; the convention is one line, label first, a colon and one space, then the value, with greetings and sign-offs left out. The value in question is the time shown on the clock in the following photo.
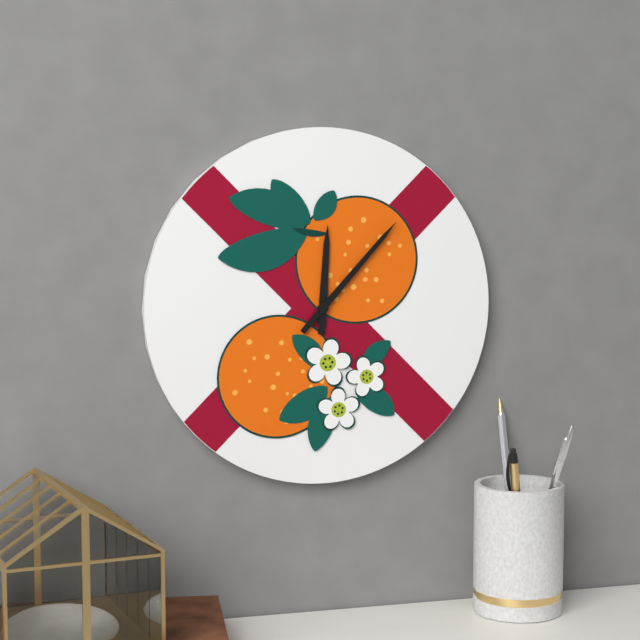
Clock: 12:07
